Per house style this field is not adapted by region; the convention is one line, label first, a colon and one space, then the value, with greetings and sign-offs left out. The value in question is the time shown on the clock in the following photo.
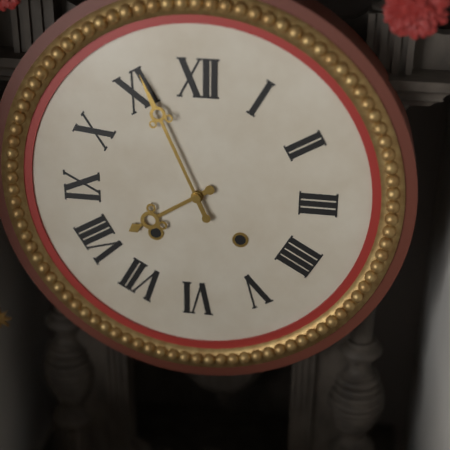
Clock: 7:56
